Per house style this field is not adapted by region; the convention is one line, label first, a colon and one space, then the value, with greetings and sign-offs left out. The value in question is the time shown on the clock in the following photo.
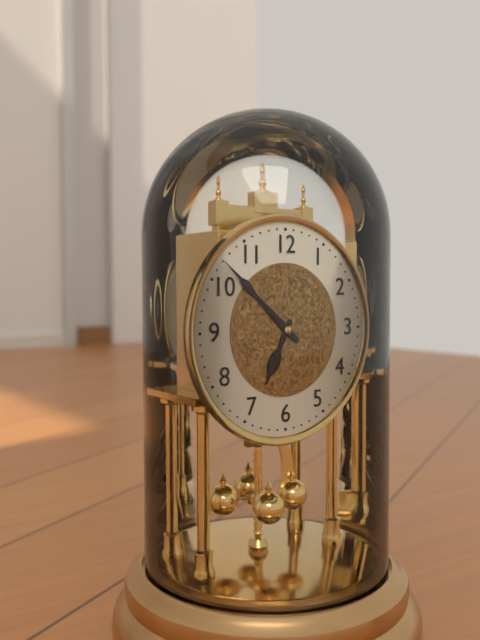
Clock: 6:52
